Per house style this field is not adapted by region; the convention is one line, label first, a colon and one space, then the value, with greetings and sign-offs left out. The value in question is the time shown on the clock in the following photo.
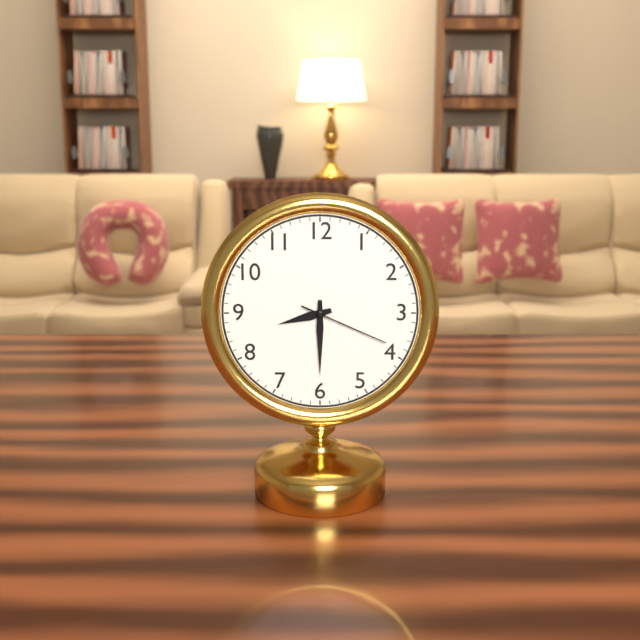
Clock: 8:30:19
